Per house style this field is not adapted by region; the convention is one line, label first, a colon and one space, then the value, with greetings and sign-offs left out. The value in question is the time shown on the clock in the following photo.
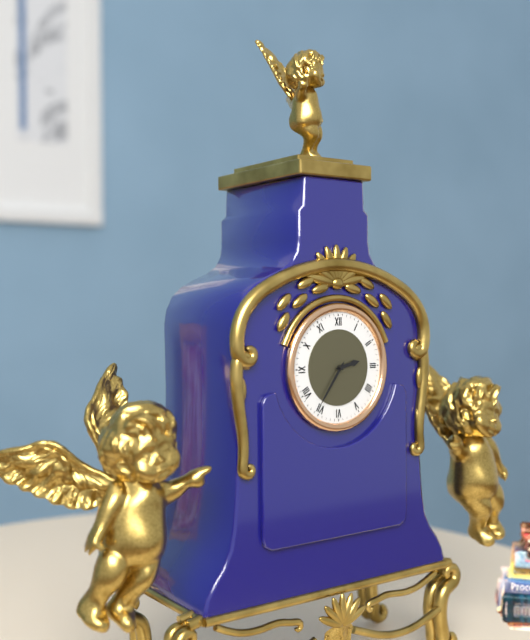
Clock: 2:36
